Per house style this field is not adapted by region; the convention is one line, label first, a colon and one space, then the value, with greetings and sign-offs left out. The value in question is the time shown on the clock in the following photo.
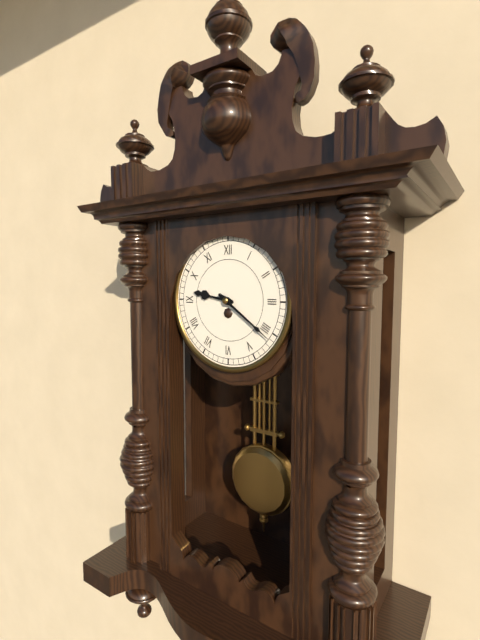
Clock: 9:21
